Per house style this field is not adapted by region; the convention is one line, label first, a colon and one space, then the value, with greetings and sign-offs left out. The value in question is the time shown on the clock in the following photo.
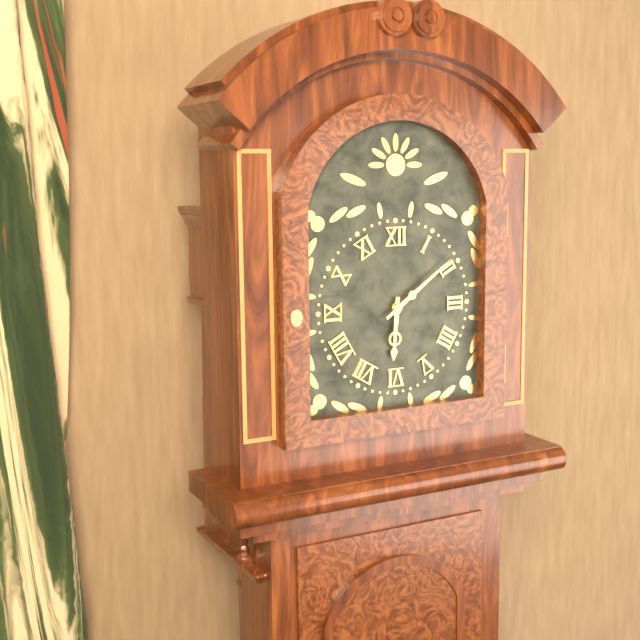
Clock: 6:09
